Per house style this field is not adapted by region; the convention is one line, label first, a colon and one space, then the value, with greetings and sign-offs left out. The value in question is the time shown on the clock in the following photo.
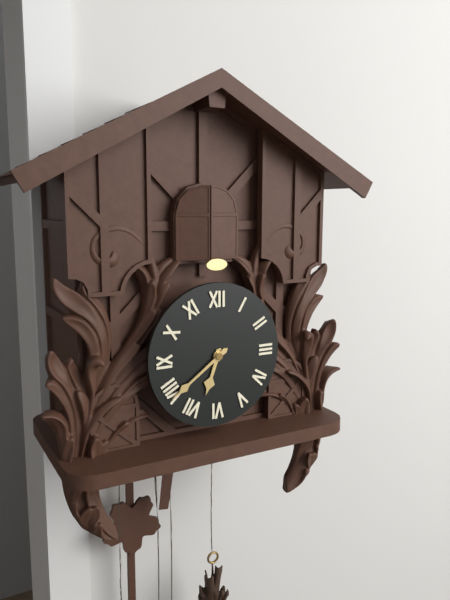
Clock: 6:39
